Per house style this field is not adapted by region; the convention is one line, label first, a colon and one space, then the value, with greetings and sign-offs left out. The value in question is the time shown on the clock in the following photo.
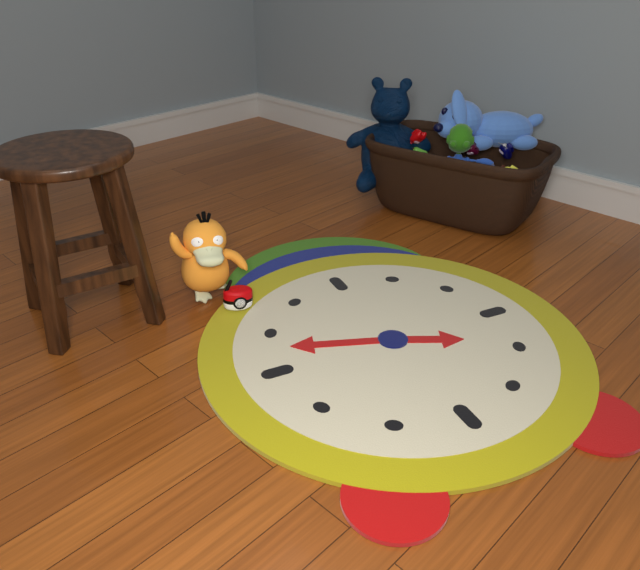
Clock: 3:48
